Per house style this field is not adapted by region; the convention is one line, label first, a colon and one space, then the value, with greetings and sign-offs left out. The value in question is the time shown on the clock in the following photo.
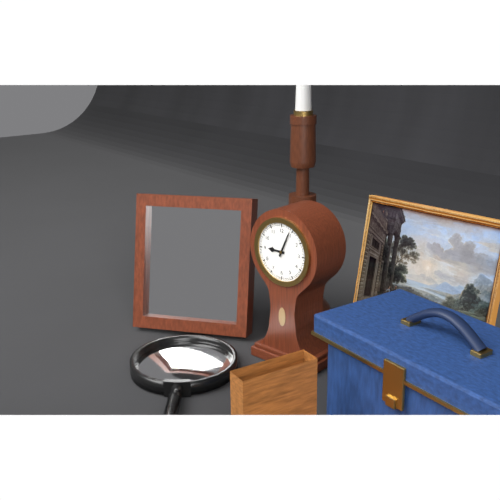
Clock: 9:04
